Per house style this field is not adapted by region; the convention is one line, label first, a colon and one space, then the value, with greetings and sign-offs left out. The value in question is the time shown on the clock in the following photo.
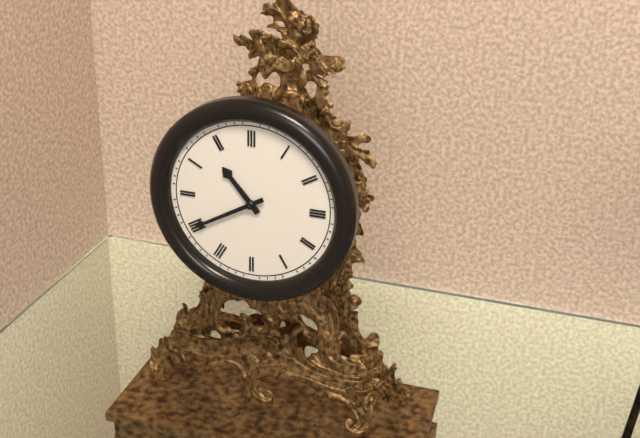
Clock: 10:40
